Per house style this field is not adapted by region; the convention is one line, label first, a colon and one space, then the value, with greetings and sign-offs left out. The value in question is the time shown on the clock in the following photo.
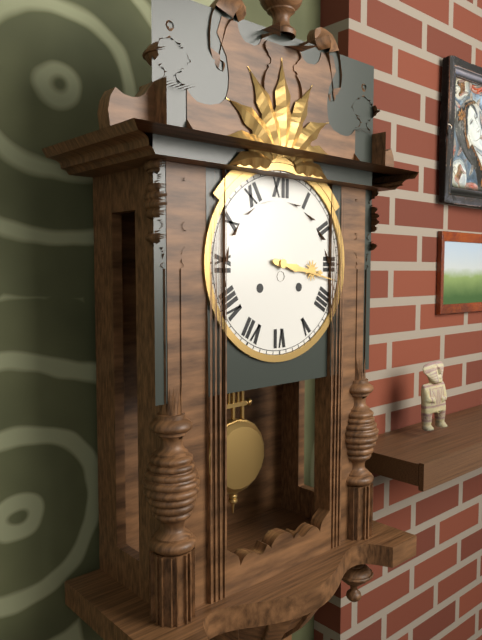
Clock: 3:17
